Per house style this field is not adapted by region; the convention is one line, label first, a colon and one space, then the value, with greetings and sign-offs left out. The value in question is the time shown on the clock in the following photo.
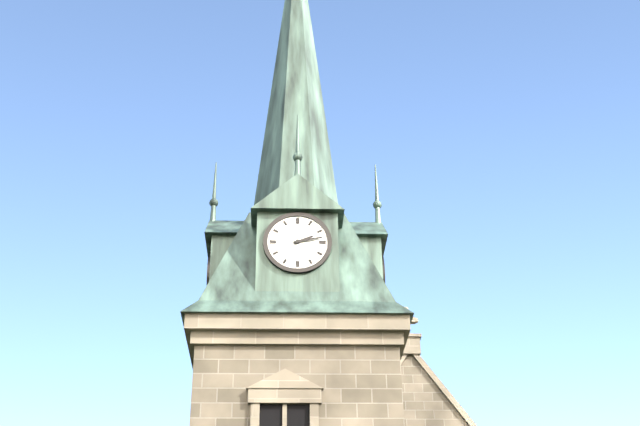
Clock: 2:13
